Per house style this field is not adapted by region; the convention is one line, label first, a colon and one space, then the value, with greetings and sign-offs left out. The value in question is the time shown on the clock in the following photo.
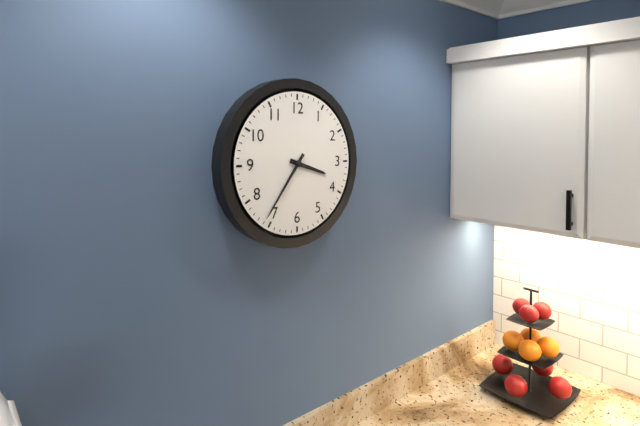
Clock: 3:36
